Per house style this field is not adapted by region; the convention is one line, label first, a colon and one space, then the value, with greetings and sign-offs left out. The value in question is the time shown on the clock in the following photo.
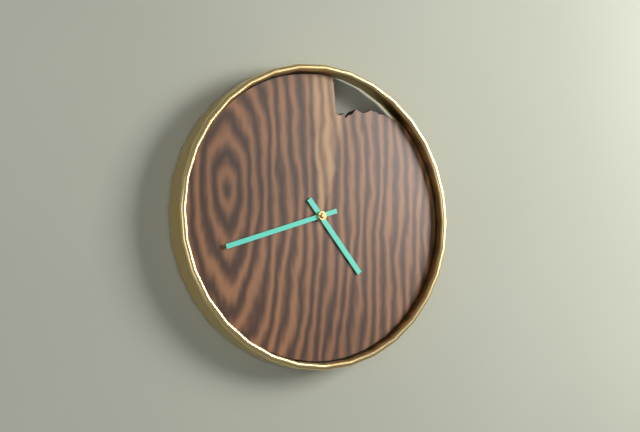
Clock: 4:42
